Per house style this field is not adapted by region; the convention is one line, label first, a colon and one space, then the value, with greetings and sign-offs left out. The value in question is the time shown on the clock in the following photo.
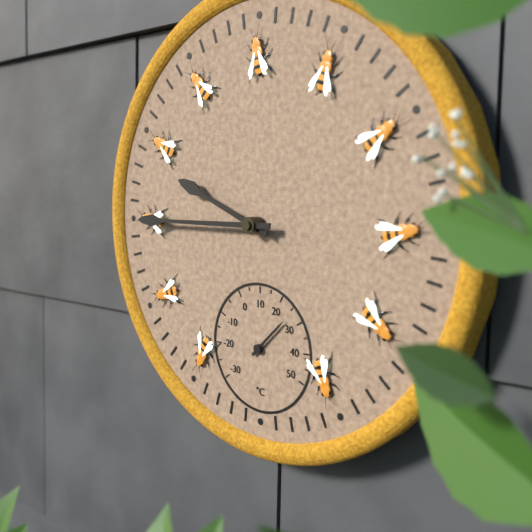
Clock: 9:45
